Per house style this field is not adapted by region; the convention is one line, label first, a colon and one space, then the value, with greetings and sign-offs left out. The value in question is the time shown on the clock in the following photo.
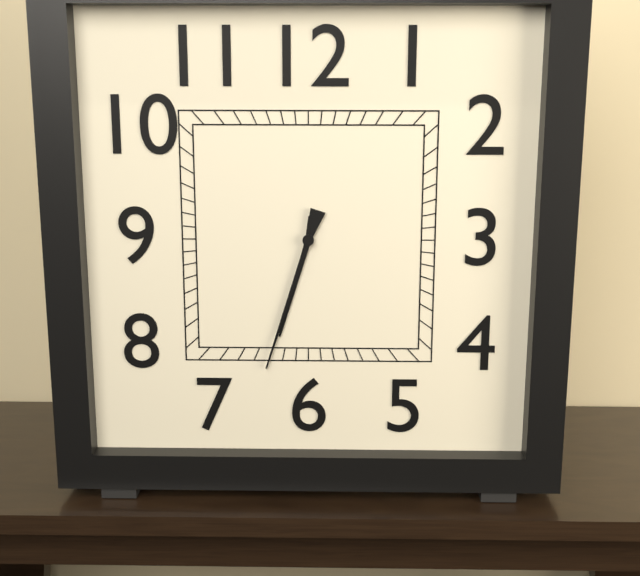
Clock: 6:33
